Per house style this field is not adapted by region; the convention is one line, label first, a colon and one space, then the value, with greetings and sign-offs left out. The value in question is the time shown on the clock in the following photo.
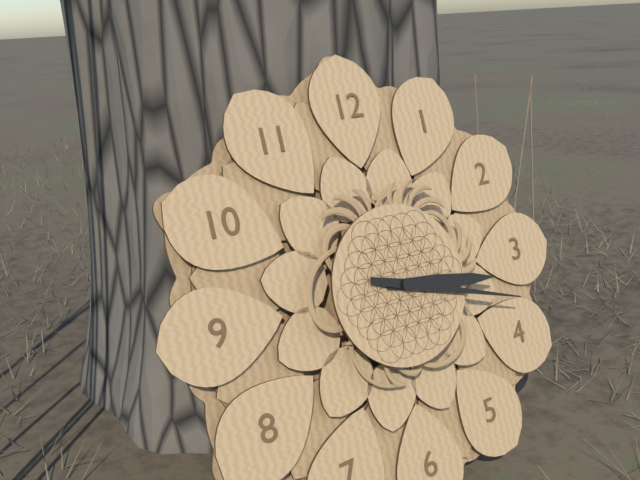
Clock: 3:18
